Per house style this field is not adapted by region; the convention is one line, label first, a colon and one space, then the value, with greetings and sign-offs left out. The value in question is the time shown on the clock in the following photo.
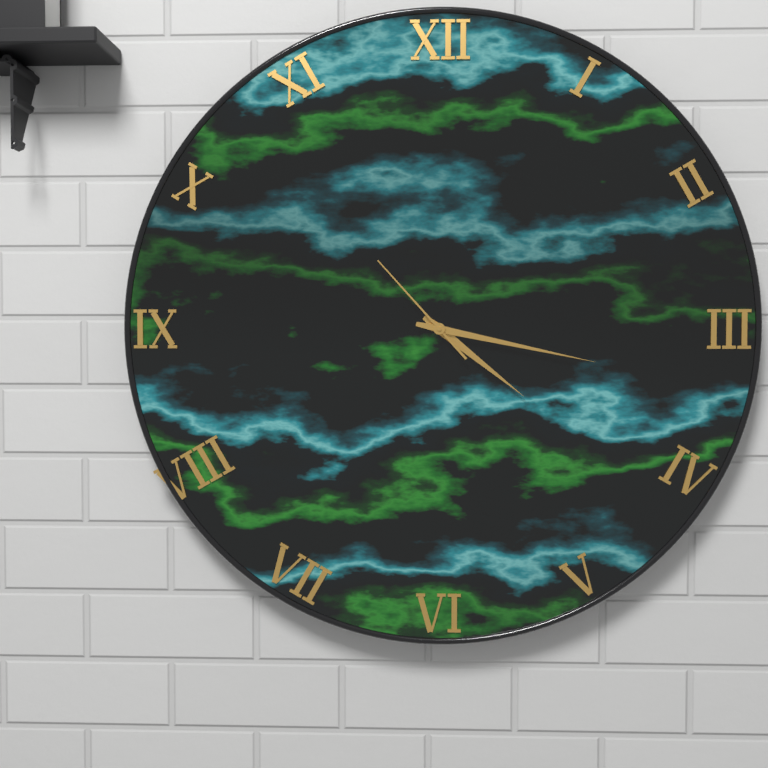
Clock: 4:17:53
